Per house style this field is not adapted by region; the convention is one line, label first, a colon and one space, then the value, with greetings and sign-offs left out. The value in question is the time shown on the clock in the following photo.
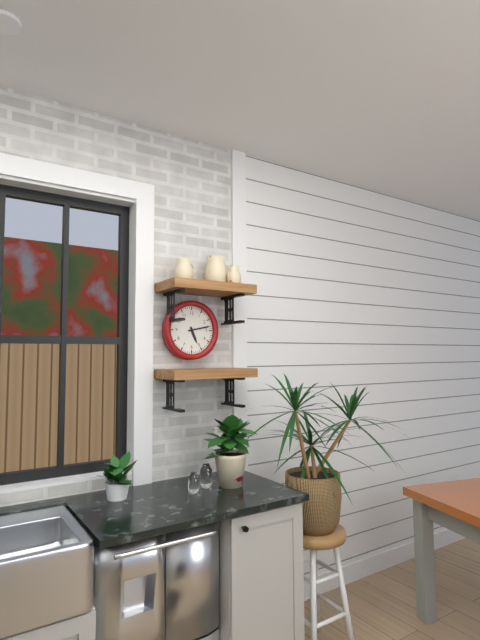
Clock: 5:13
